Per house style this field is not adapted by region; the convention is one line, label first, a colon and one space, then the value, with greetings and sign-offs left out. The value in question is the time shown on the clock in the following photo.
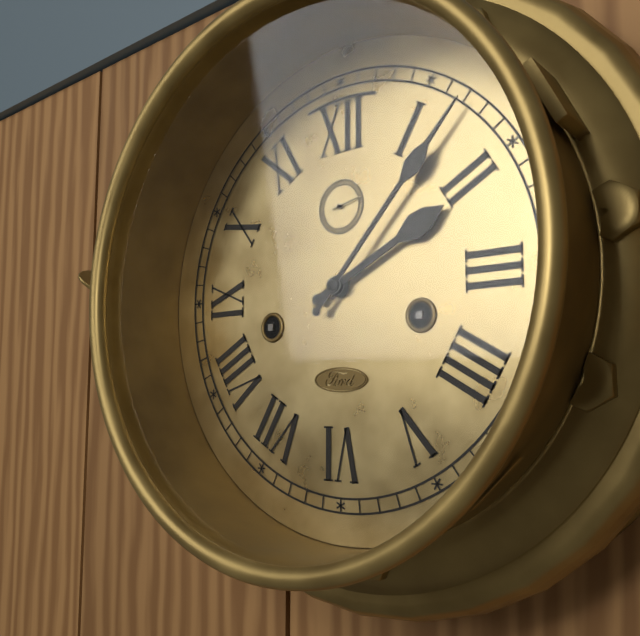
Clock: 2:07
